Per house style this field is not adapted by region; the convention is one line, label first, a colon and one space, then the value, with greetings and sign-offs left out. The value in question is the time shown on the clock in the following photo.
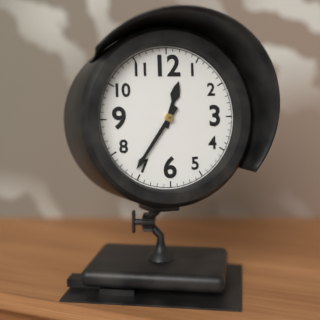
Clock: 12:36
